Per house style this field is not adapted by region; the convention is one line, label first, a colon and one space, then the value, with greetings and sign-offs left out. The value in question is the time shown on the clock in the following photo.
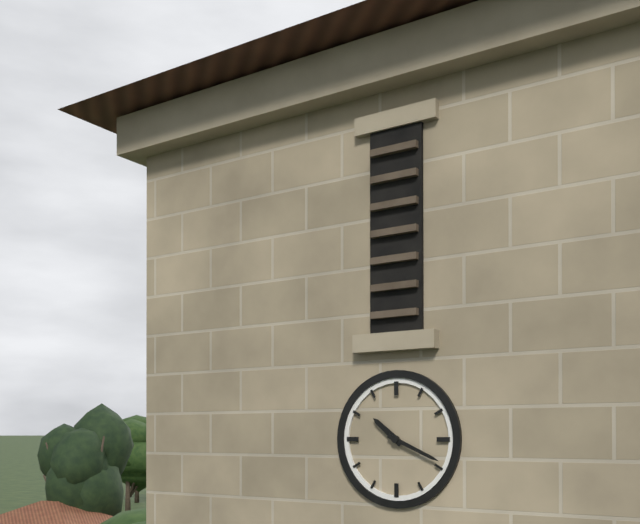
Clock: 10:19
